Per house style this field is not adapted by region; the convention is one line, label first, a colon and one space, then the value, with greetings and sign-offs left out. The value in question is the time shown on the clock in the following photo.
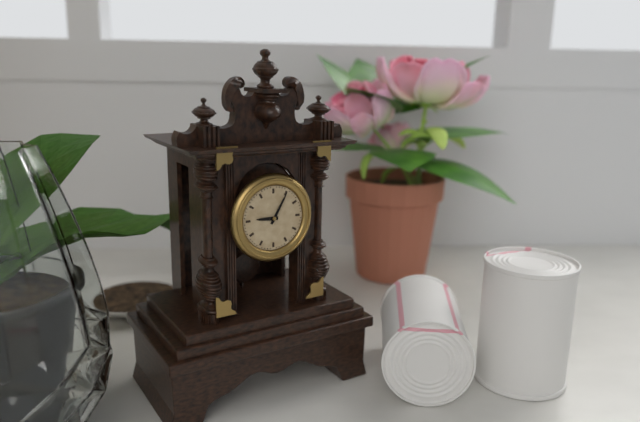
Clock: 9:05
